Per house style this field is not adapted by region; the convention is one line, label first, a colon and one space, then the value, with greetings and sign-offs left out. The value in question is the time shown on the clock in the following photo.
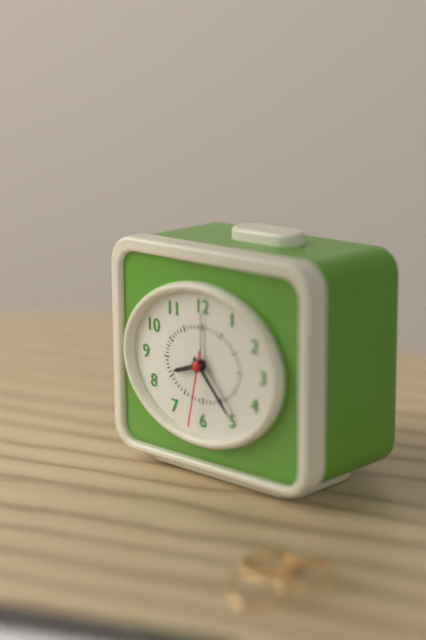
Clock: 8:23:32
